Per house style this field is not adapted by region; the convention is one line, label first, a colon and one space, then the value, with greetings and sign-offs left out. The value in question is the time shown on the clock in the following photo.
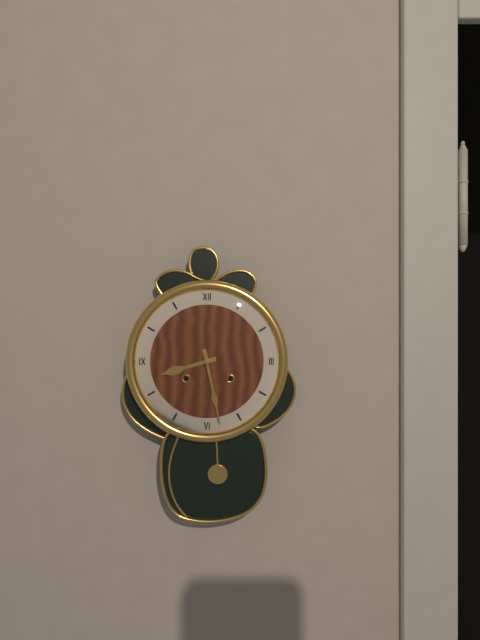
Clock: 8:28
